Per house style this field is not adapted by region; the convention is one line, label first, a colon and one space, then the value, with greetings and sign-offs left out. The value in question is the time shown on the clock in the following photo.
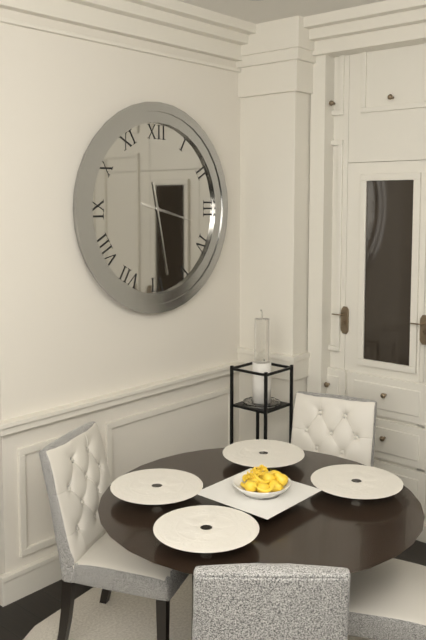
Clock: 3:28
